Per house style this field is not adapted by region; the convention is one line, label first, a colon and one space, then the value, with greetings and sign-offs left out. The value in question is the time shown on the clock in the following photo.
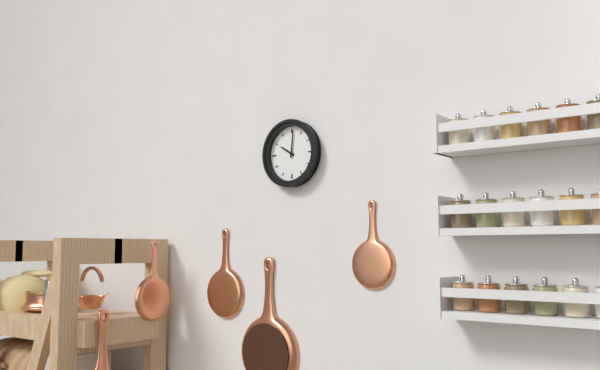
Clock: 10:01
